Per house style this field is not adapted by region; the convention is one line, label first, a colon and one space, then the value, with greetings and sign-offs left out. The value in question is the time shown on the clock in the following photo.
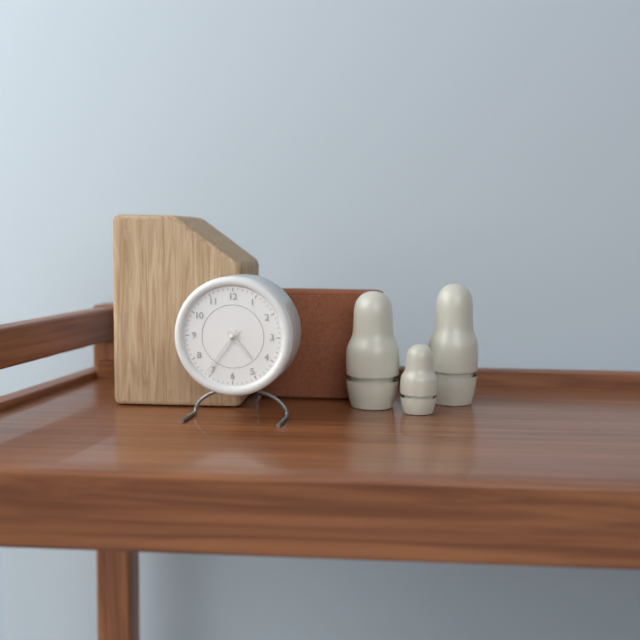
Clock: 4:36
